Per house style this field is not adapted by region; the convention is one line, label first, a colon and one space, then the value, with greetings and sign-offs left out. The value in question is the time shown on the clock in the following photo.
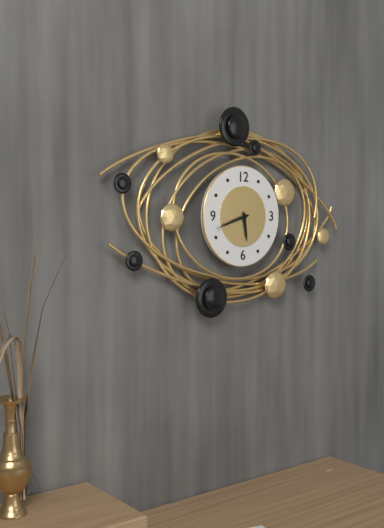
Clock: 5:42
